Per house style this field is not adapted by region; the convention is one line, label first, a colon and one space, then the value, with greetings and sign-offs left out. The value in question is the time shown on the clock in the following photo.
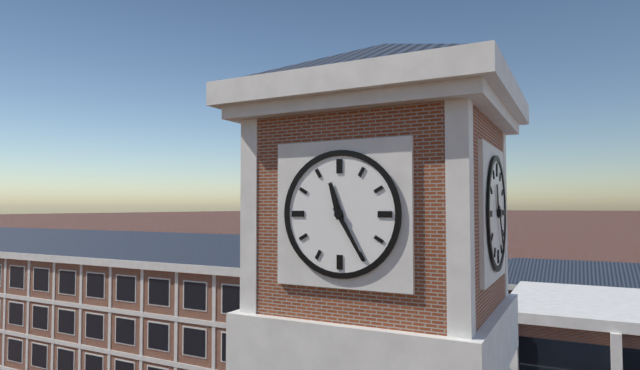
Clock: 11:25
